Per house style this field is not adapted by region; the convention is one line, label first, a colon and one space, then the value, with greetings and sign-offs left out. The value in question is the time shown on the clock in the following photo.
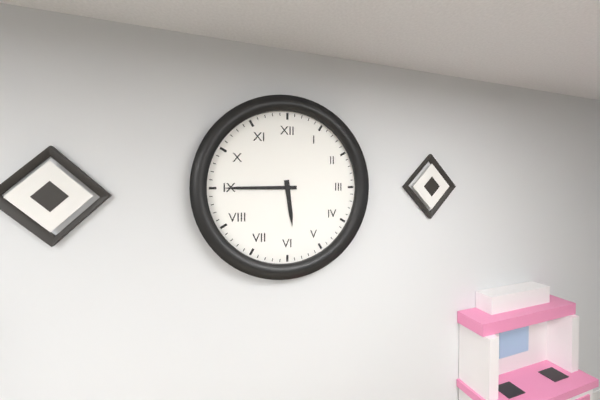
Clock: 5:45
